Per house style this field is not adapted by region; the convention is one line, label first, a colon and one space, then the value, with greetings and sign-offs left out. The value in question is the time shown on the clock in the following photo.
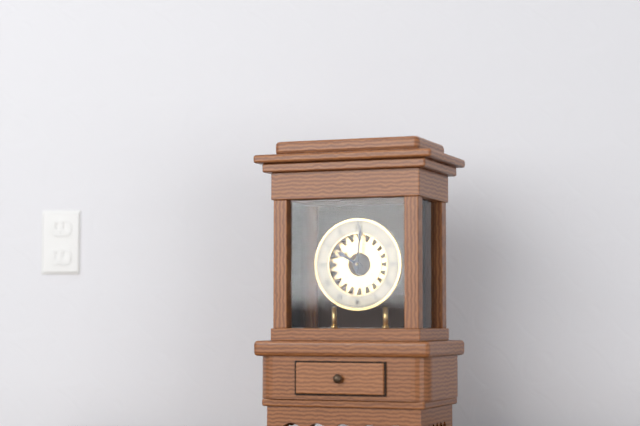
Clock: 10:01
